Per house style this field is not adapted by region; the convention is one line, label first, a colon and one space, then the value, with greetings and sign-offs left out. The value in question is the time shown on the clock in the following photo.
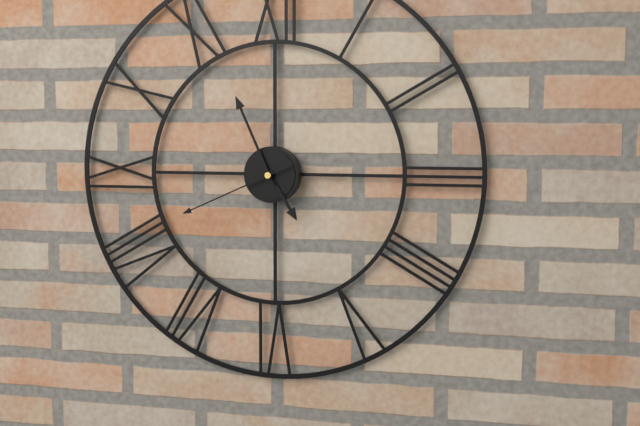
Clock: 4:56:41
